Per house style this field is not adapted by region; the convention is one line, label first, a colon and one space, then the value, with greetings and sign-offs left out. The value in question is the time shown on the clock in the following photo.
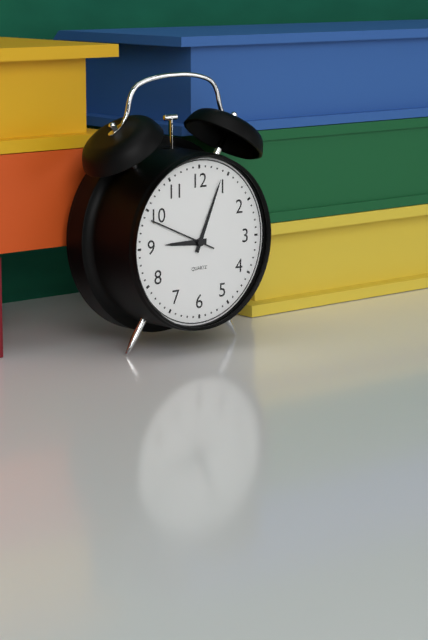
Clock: 9:04:49
